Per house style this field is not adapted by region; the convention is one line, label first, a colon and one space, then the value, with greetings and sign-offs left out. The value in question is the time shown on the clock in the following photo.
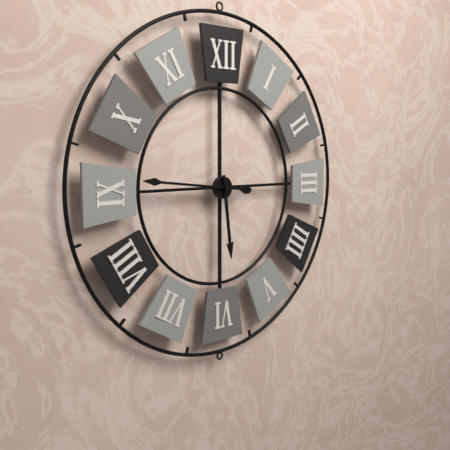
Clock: 5:46
